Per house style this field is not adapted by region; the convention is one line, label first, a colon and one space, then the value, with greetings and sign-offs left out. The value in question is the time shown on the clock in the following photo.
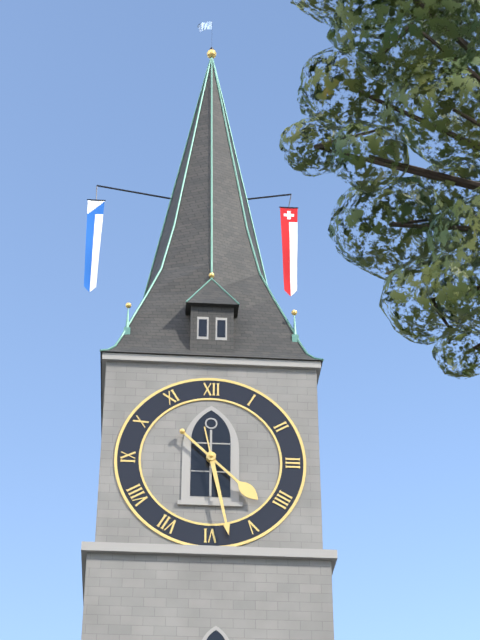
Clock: 4:28
